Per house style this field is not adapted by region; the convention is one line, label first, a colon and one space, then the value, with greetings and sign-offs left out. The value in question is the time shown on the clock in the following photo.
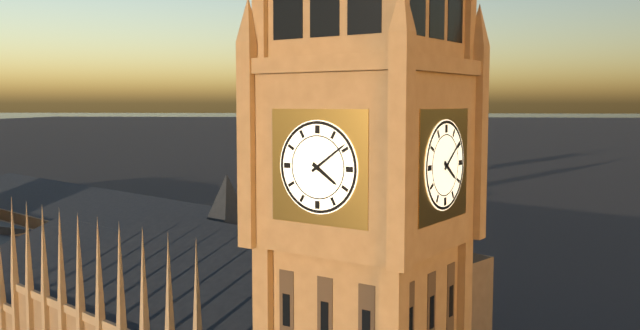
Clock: 4:09
